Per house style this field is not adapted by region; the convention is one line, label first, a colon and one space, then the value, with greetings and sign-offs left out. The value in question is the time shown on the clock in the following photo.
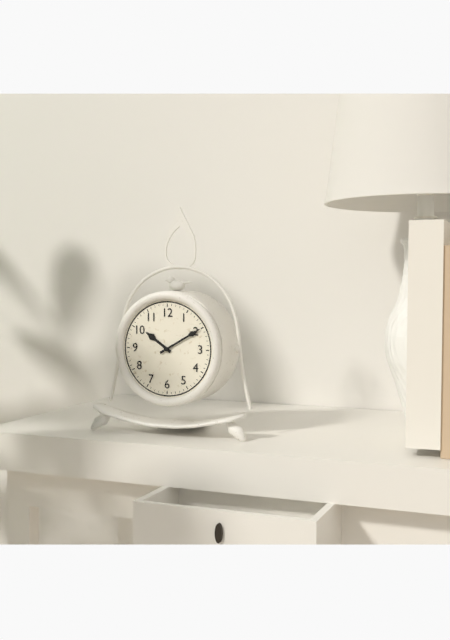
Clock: 10:10
